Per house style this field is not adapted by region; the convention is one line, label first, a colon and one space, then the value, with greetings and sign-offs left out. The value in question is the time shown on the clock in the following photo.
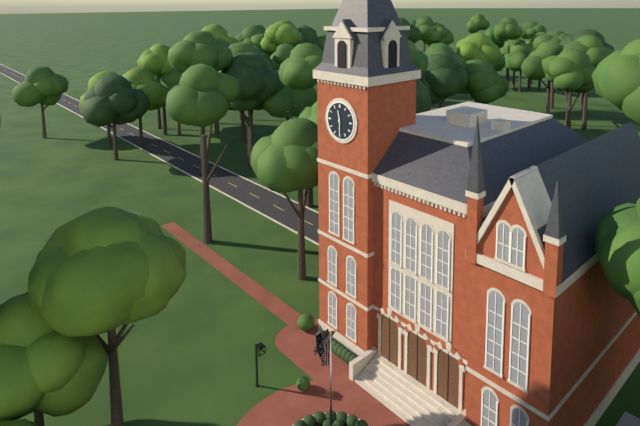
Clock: 11:30
